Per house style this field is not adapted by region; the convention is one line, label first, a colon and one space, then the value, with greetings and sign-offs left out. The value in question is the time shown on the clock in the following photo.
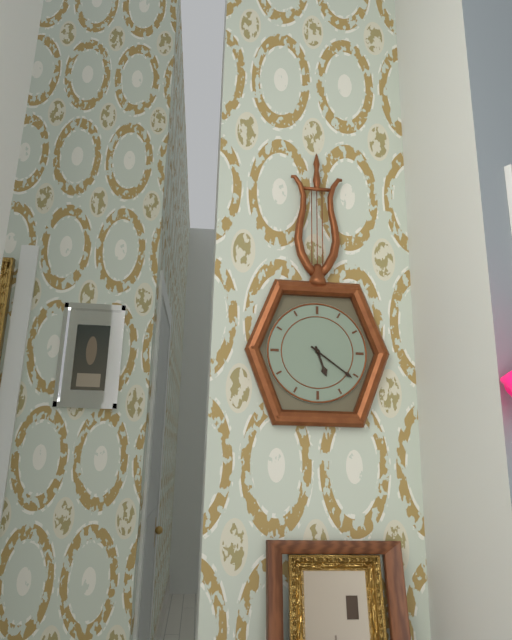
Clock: 5:21
